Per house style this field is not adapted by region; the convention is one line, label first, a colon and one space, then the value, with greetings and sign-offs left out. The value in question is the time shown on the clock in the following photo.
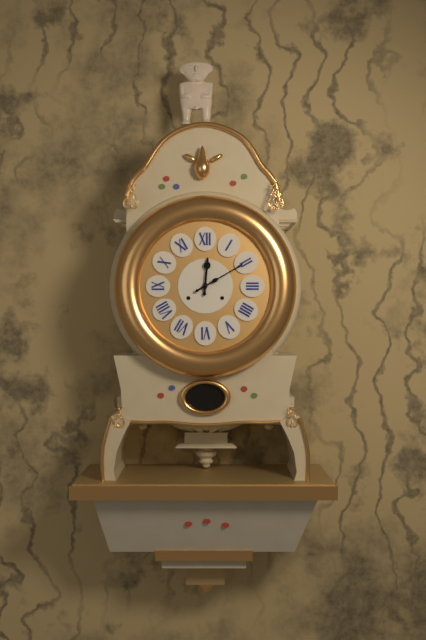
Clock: 12:10
